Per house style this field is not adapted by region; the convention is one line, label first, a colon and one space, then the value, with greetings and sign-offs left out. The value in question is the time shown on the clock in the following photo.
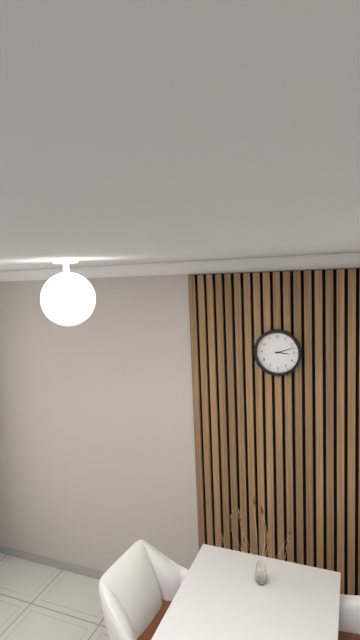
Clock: 3:12
